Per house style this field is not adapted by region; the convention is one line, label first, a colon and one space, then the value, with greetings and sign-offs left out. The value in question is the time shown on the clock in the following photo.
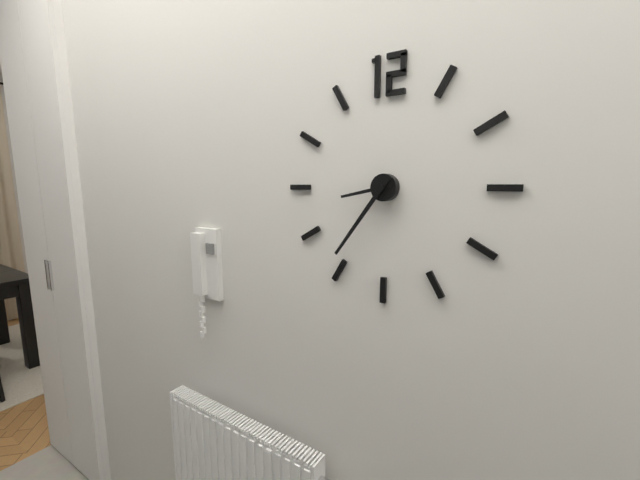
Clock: 8:36
